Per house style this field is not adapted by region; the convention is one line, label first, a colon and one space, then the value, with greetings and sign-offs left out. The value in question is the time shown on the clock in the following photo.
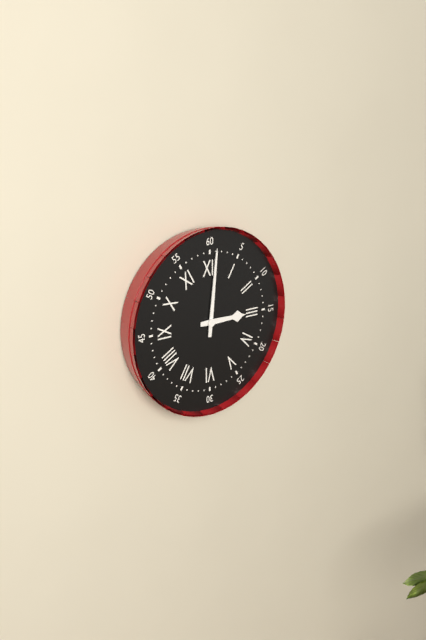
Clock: 3:01
